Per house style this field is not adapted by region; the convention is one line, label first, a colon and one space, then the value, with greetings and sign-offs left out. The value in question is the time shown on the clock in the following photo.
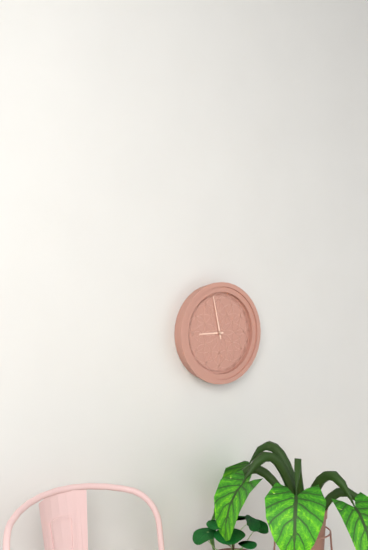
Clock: 8:58
